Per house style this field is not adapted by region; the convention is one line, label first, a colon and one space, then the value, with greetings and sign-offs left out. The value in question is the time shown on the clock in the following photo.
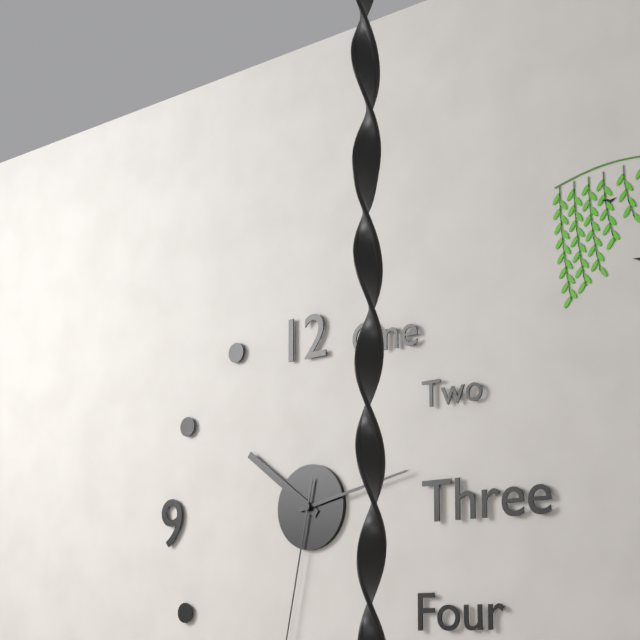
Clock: 10:13
